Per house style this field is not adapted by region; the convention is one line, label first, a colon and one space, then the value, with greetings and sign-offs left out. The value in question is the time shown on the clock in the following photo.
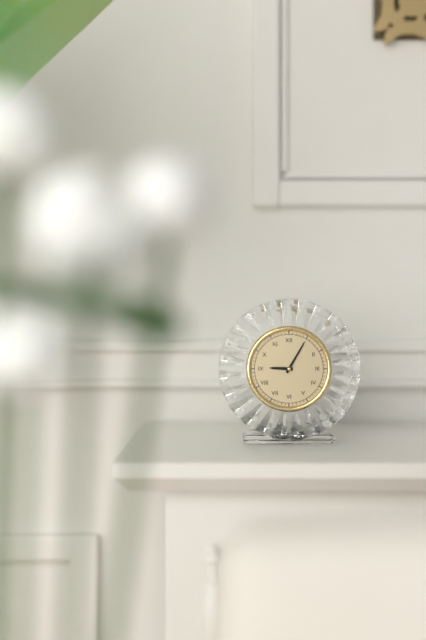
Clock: 9:05
